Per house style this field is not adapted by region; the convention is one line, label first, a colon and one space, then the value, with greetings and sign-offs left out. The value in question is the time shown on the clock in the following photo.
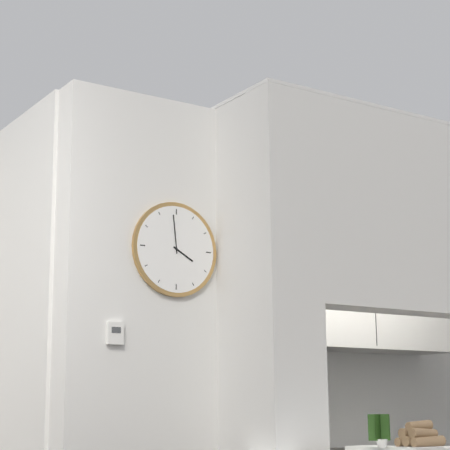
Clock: 3:59
